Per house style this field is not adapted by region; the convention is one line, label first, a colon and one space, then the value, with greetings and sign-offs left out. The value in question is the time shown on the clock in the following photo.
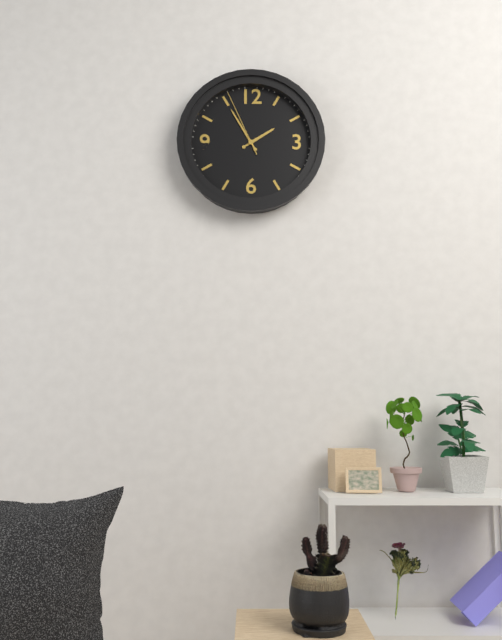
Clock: 1:55:56
